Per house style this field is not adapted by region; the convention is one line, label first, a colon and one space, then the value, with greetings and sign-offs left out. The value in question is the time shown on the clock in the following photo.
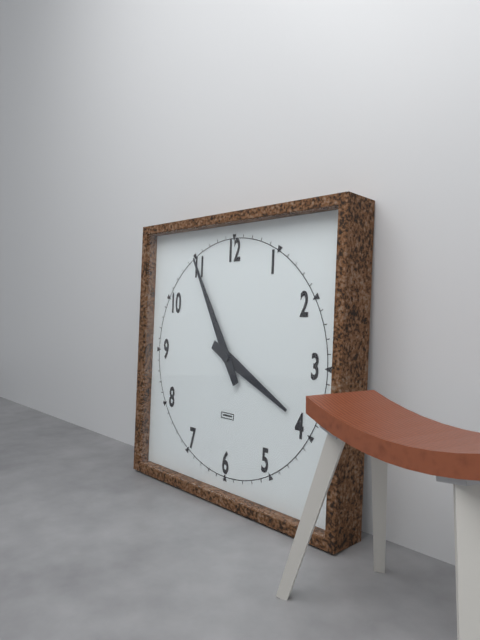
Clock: 3:55
